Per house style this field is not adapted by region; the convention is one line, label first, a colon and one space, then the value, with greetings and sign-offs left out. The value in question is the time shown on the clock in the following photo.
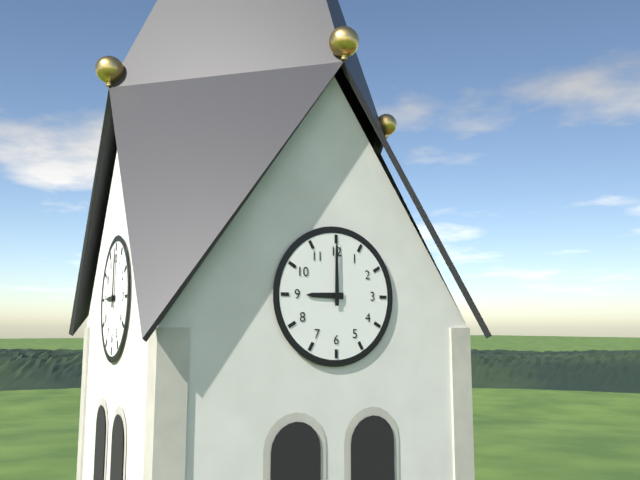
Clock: 9:00
